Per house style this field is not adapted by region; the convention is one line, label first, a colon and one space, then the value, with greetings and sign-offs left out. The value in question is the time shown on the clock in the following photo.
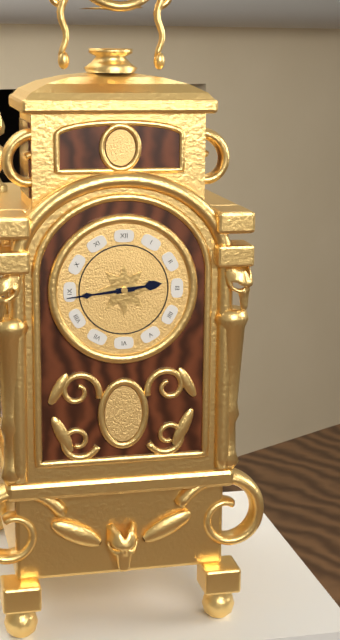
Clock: 2:44
